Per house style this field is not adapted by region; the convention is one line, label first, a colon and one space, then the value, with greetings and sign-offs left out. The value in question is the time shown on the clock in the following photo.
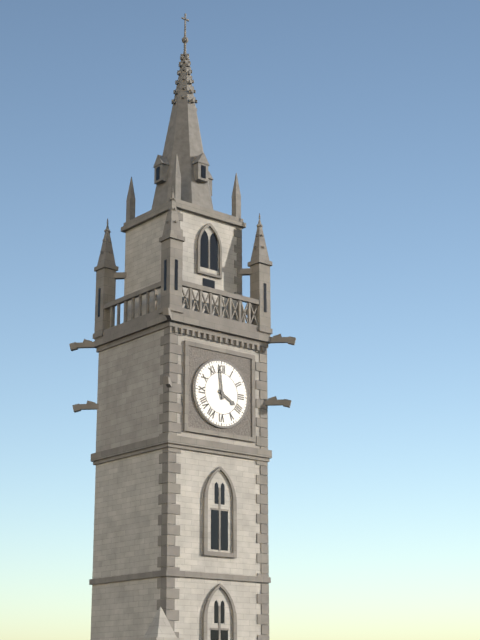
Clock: 3:59
